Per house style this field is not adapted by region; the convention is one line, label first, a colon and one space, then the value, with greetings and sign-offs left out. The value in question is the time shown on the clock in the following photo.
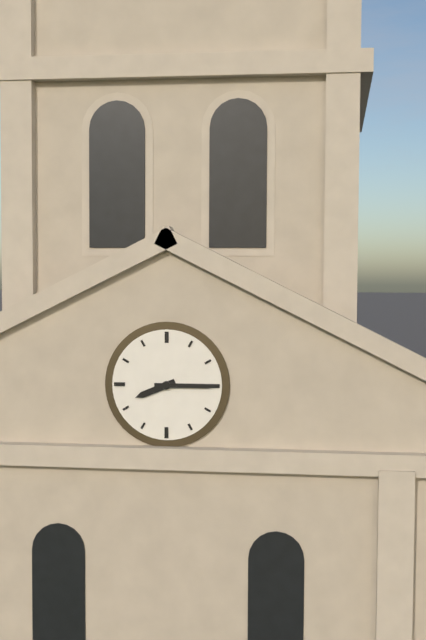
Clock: 8:15
